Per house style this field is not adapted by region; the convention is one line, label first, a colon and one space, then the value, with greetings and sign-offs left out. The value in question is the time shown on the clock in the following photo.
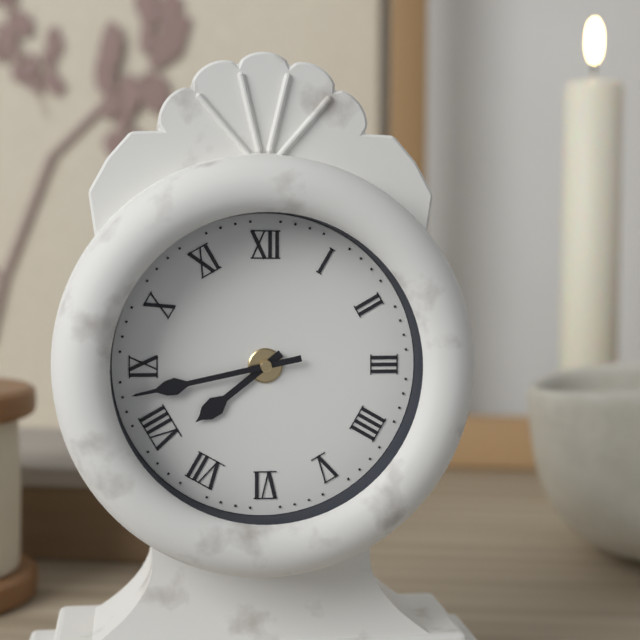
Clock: 7:43
